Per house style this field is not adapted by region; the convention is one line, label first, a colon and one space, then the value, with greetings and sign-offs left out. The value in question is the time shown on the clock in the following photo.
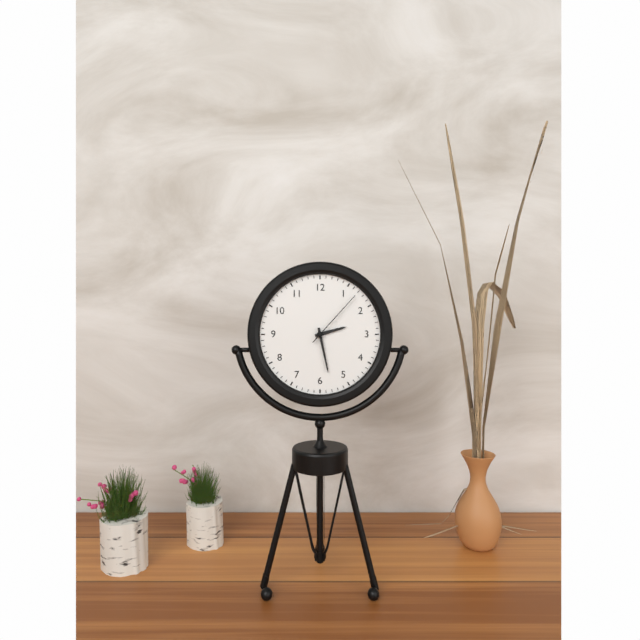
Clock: 2:28:07
